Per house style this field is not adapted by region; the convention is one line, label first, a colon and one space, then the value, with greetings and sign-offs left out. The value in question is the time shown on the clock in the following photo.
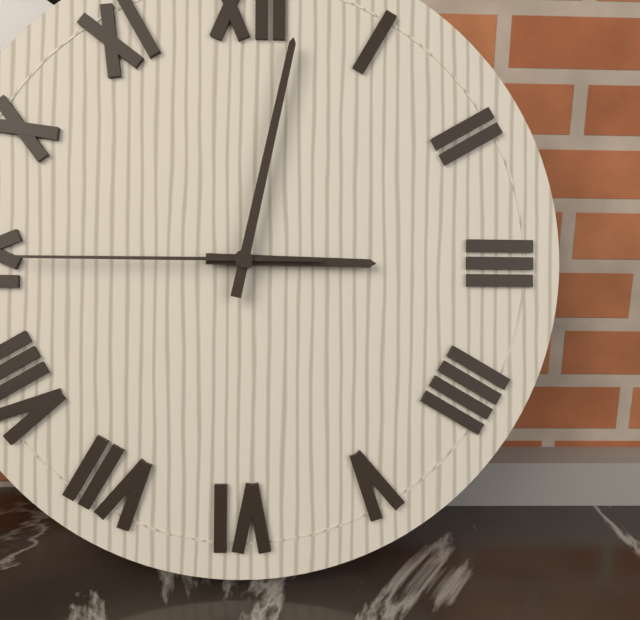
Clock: 3:02:45
